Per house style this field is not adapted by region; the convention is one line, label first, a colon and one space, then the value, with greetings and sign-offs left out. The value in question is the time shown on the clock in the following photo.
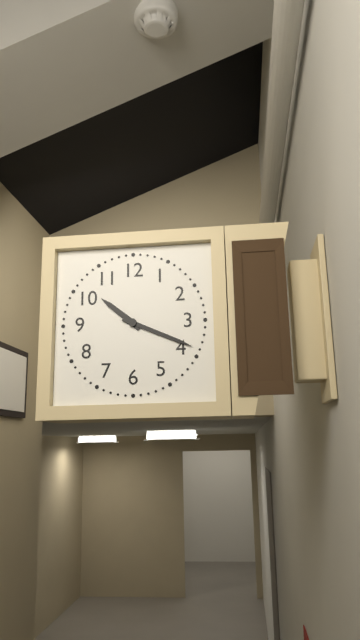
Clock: 10:19
